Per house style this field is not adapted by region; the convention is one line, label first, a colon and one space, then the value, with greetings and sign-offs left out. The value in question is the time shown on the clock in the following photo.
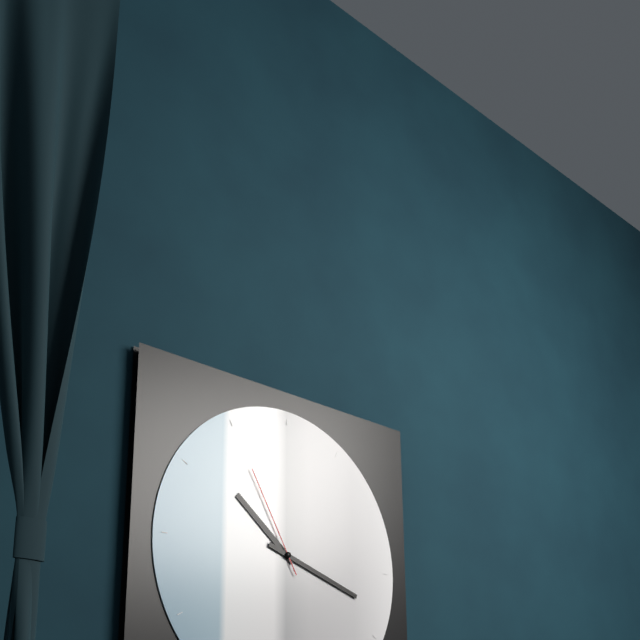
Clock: 10:18:55
